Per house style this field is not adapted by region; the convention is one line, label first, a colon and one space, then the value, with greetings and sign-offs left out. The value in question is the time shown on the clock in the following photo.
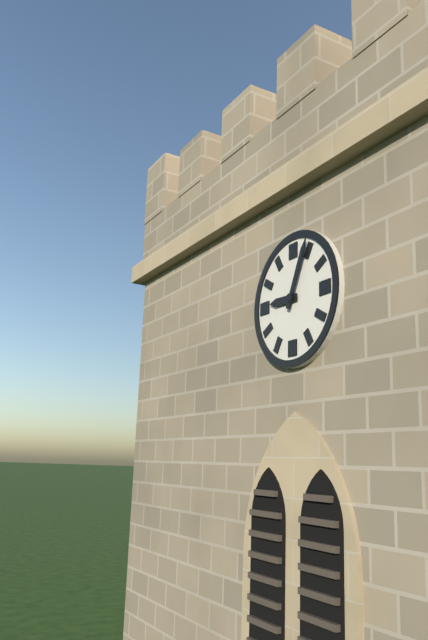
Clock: 9:04
